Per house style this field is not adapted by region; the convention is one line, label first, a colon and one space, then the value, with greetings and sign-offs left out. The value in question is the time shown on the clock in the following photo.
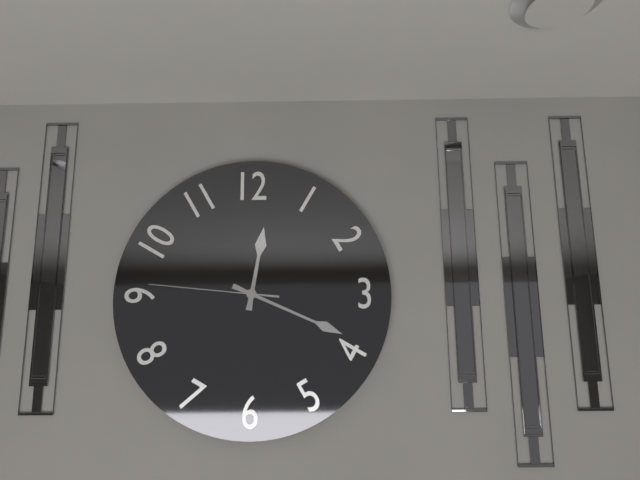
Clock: 12:19:46
